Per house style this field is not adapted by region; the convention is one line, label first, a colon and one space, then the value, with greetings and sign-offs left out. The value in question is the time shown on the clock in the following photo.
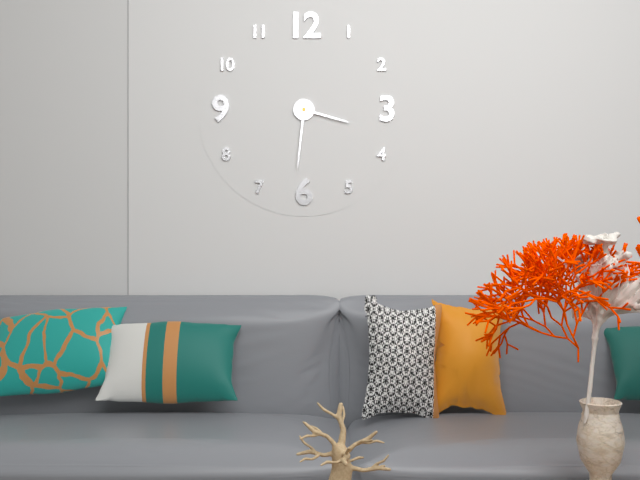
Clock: 3:31
